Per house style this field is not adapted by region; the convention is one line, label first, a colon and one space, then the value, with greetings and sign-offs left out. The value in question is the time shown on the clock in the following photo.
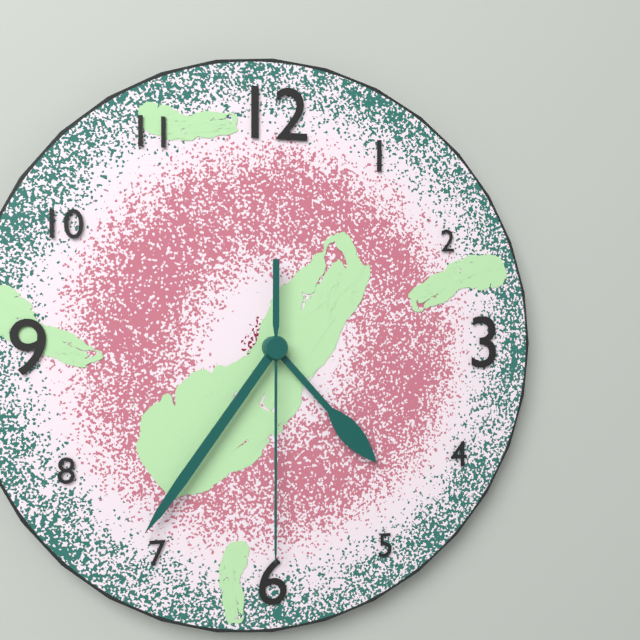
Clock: 4:36:30
